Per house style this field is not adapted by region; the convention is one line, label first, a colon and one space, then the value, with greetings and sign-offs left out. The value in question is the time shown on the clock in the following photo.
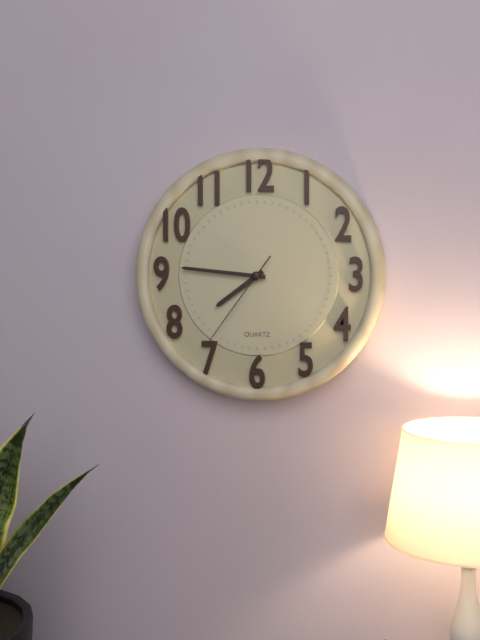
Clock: 7:46:36
